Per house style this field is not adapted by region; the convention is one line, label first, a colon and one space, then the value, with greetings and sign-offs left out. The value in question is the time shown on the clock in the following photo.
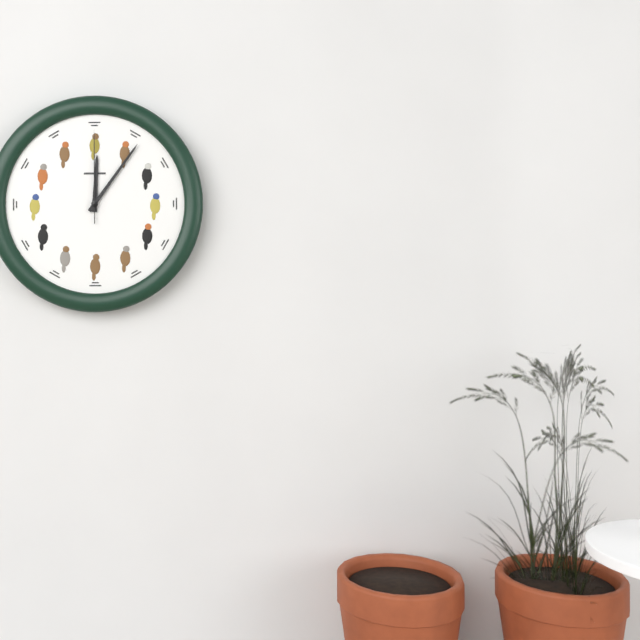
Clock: 12:06:00
